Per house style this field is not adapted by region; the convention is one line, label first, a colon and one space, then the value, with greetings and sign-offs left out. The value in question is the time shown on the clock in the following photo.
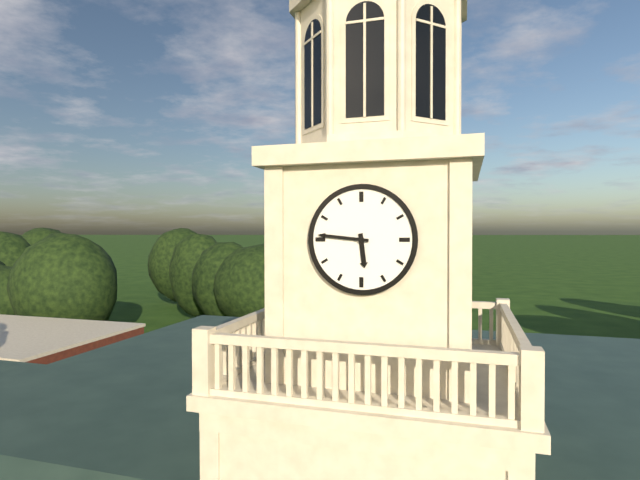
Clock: 5:46
